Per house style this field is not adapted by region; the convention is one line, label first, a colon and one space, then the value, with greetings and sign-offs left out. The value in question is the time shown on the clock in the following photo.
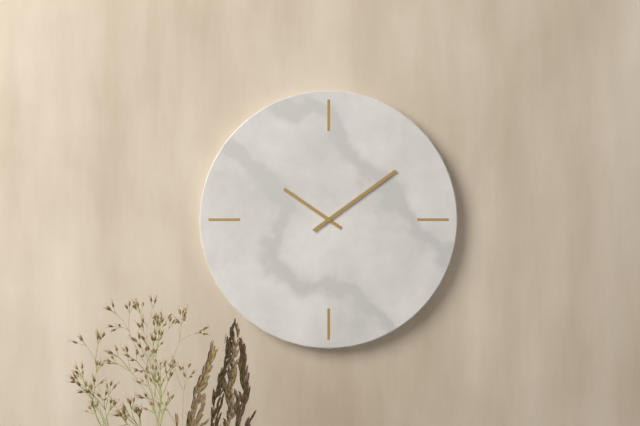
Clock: 10:09
